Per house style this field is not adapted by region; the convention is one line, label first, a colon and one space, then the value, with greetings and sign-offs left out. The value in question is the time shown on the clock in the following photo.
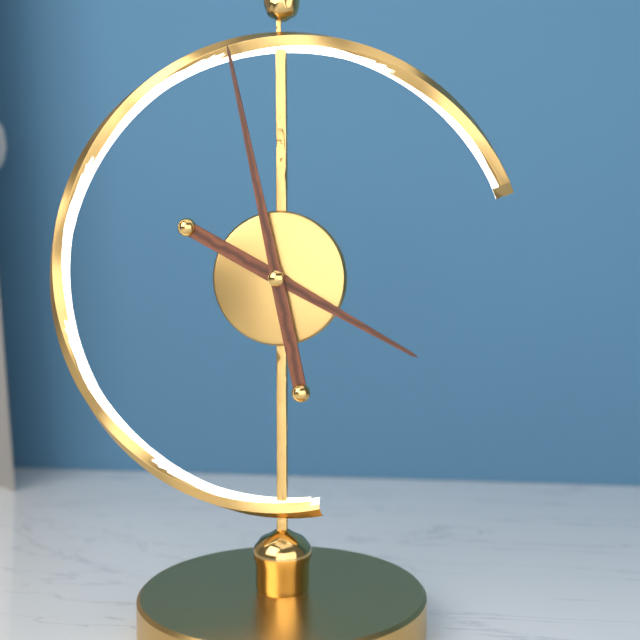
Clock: 3:58
